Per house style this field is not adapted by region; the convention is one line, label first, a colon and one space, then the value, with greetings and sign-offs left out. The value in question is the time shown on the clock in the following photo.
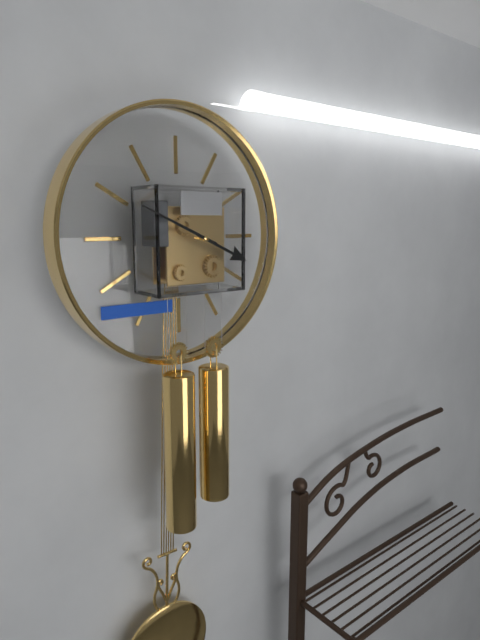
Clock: 3:49
